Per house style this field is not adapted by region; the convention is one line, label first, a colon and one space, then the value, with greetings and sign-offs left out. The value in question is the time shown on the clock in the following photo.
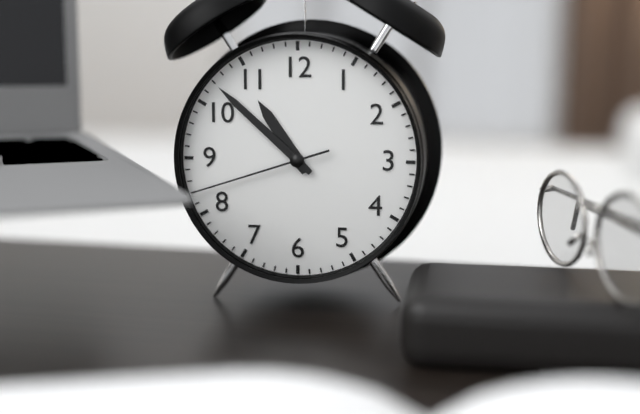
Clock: 10:52:42
